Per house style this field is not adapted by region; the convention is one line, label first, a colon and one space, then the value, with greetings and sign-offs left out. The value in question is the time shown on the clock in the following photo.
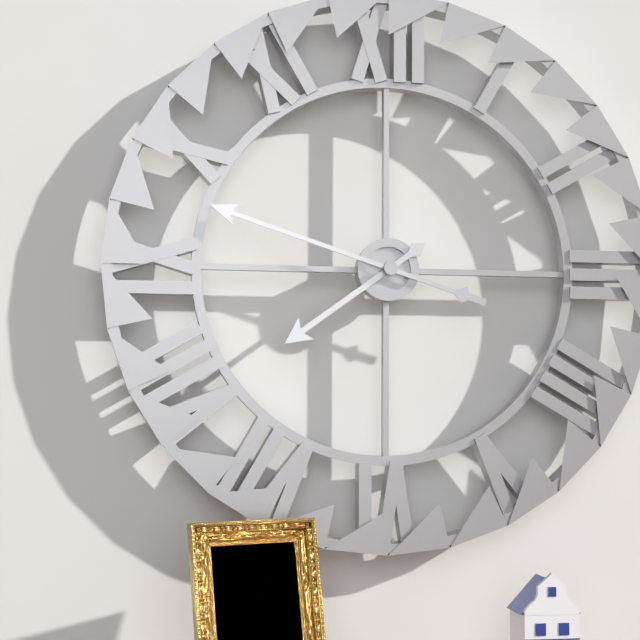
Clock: 7:48
